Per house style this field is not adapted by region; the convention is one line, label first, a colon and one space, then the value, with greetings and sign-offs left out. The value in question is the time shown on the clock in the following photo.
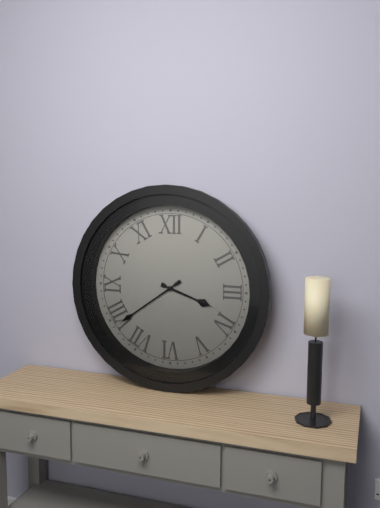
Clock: 3:39
